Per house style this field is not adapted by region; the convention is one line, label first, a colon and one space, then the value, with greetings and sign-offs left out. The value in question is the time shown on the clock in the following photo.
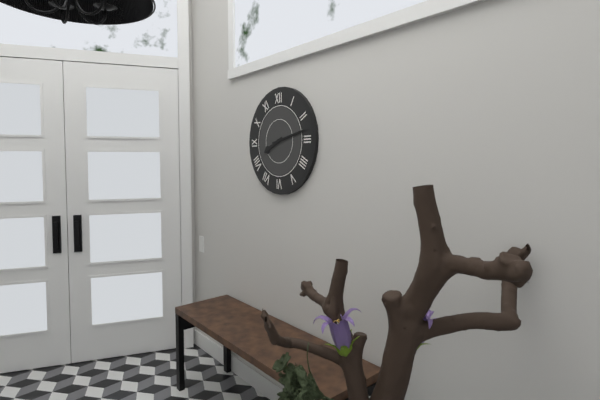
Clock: 8:13
